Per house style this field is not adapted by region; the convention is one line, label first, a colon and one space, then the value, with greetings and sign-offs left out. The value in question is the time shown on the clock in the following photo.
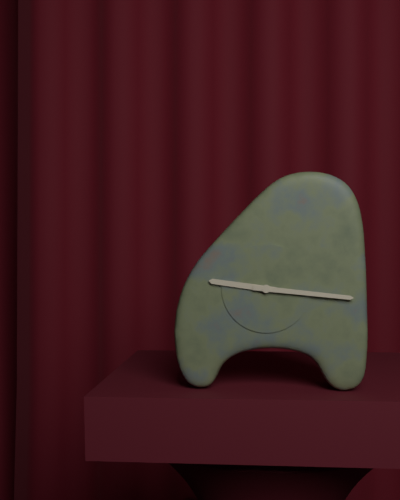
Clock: 9:16
